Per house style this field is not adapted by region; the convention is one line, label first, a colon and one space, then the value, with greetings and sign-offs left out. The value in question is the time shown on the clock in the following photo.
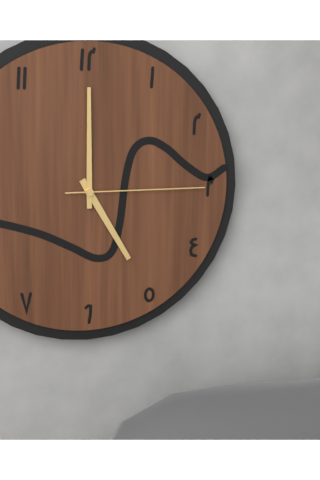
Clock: 5:00:15
